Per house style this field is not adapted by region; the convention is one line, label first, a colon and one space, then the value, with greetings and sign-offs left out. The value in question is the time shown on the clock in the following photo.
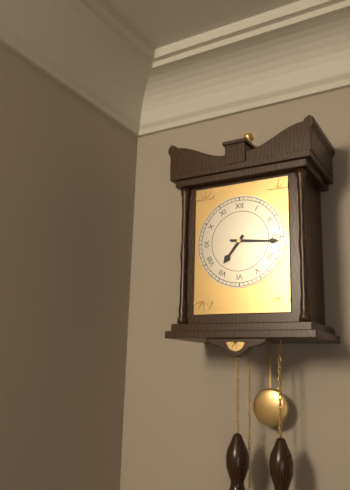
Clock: 7:16
